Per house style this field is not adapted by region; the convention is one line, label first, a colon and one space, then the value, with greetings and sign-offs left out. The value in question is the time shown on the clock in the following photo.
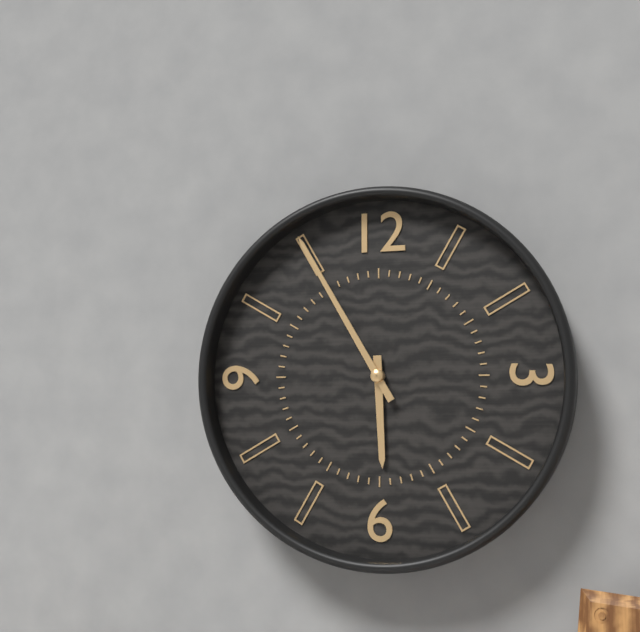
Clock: 5:55
